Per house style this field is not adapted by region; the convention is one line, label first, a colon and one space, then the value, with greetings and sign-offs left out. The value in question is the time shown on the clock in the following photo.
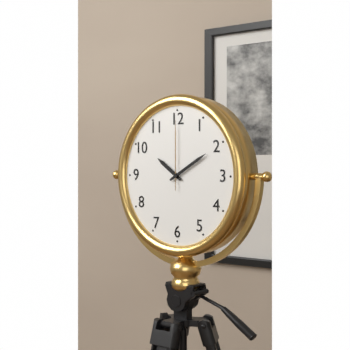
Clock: 10:10:00
